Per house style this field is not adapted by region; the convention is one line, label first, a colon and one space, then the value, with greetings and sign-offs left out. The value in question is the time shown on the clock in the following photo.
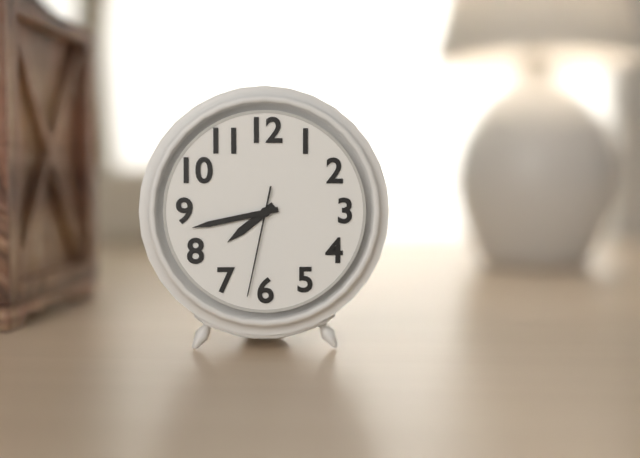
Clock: 7:43:32
